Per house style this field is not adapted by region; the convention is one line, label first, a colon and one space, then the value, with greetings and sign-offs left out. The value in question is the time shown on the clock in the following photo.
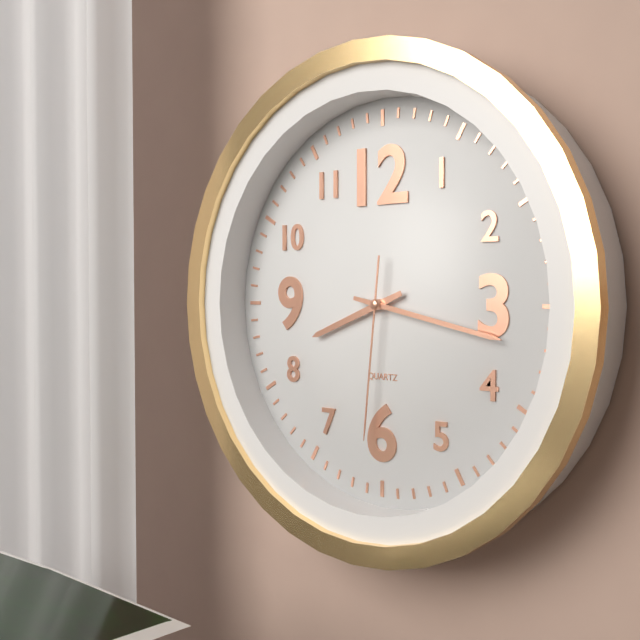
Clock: 8:17:31
